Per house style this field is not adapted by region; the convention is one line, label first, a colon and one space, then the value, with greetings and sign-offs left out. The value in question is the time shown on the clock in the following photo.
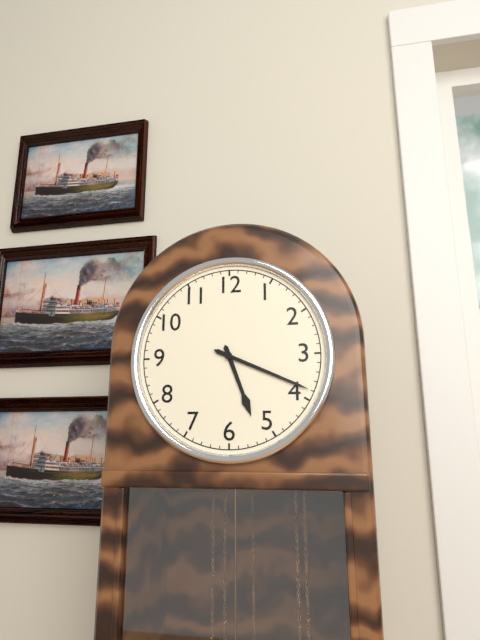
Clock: 5:19
